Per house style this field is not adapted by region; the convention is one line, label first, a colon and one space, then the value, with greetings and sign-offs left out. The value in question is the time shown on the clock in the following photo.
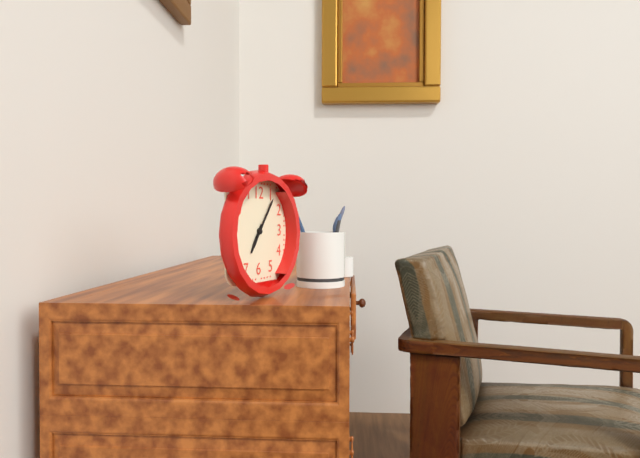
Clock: 7:06
